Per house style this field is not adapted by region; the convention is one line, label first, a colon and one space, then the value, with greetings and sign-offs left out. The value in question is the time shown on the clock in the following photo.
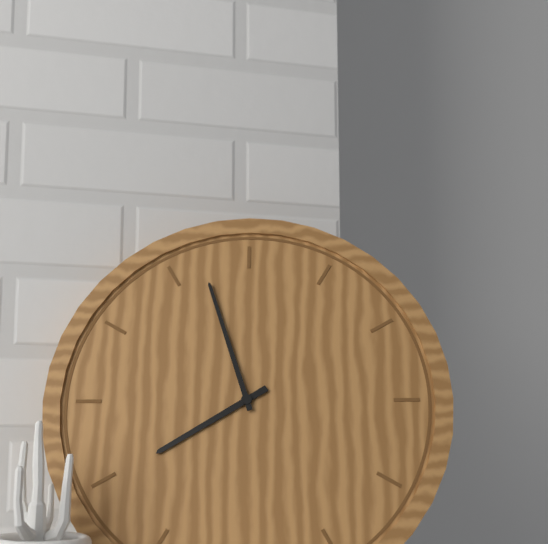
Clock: 7:57
